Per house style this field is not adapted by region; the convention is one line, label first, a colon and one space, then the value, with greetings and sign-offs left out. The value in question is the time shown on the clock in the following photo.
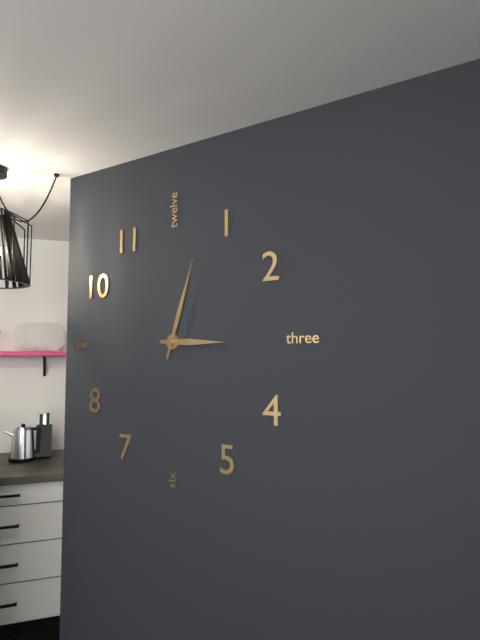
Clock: 3:03
